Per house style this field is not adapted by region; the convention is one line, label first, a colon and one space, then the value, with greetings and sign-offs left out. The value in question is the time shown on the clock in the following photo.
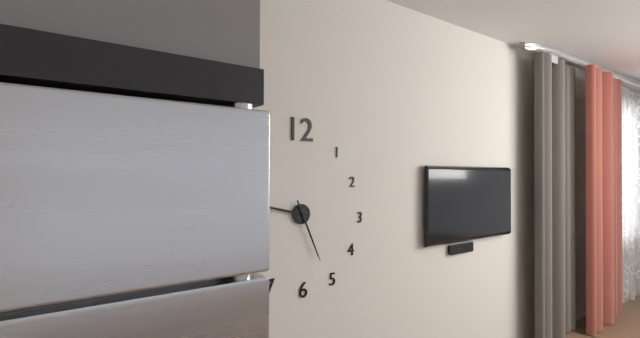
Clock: 9:26
